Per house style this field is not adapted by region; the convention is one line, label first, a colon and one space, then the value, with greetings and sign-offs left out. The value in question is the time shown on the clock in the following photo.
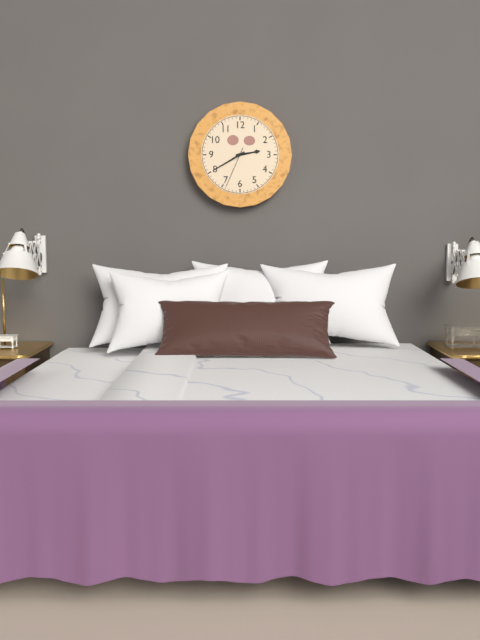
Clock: 2:40
